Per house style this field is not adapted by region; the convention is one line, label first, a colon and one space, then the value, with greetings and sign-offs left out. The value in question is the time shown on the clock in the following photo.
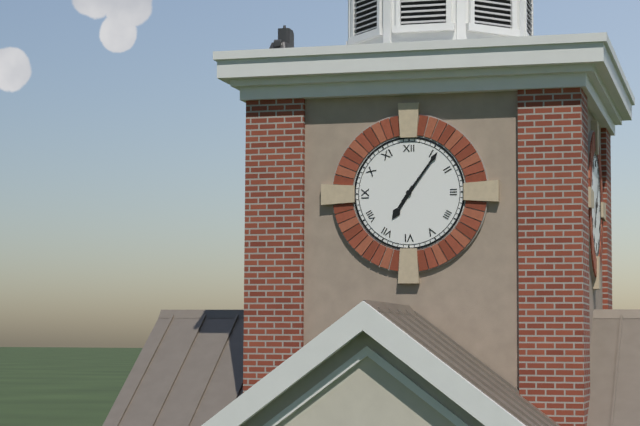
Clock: 7:06
